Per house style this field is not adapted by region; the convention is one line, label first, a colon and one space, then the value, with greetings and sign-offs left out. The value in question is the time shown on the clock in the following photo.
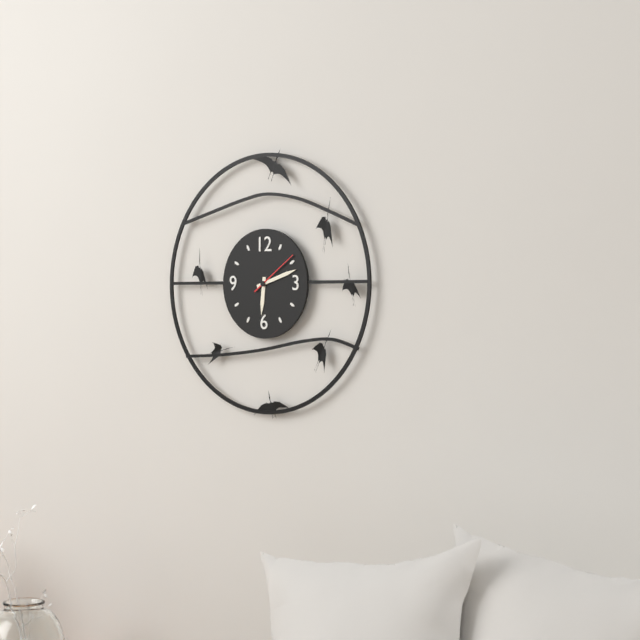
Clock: 6:12
